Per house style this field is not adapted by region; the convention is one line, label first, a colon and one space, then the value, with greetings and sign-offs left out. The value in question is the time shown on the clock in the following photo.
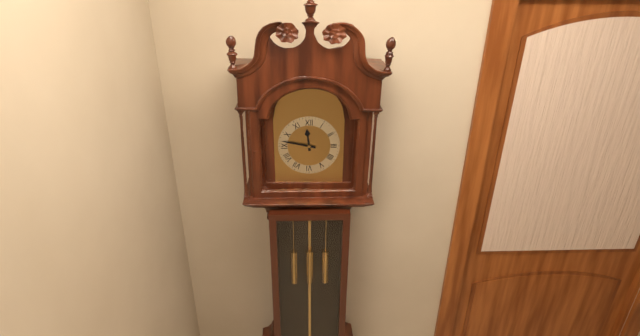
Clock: 11:47
